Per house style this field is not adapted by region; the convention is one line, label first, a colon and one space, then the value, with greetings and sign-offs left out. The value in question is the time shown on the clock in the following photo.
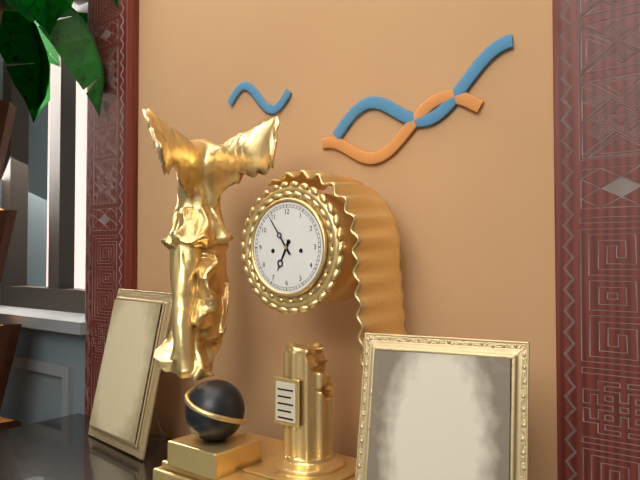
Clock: 6:54
